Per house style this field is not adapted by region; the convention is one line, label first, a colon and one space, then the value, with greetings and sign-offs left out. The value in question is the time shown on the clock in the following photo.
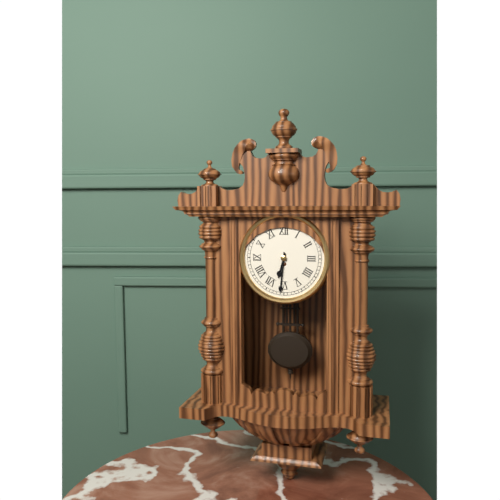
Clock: 6:31
